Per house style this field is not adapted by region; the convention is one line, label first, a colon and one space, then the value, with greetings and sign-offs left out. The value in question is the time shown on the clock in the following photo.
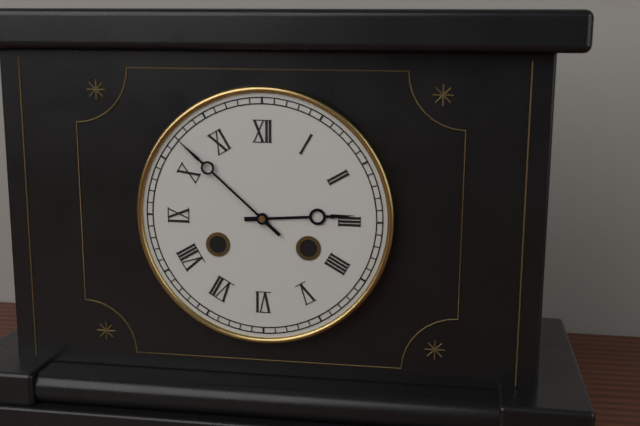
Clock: 2:52
